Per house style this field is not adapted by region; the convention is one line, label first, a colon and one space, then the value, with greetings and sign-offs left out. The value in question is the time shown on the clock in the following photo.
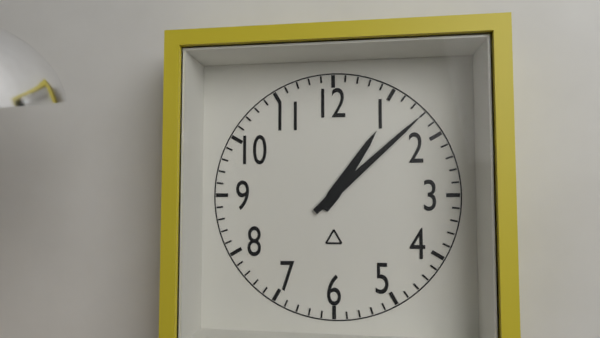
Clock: 1:08
